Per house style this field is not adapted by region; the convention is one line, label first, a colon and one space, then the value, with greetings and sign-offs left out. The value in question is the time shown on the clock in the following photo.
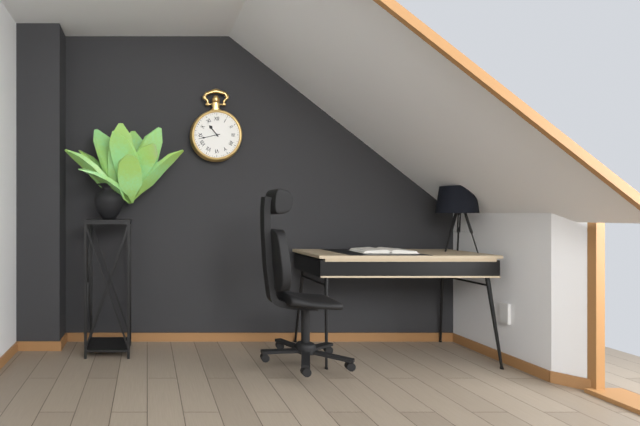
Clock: 10:43
